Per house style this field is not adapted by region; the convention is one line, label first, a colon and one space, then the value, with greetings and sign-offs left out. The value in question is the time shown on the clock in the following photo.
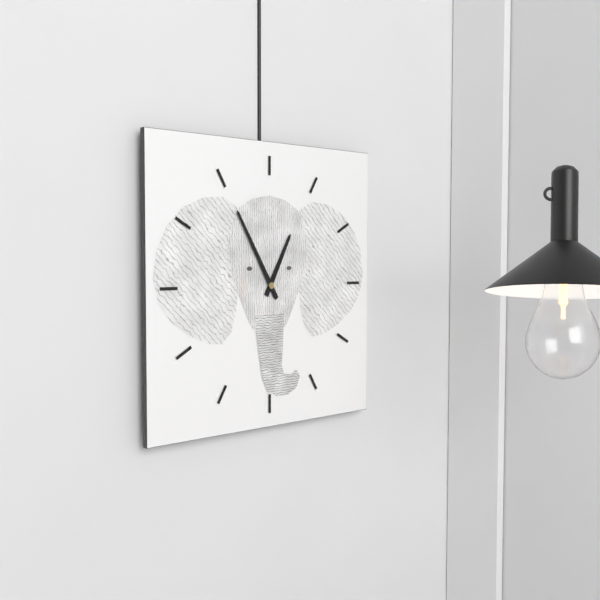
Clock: 12:55
